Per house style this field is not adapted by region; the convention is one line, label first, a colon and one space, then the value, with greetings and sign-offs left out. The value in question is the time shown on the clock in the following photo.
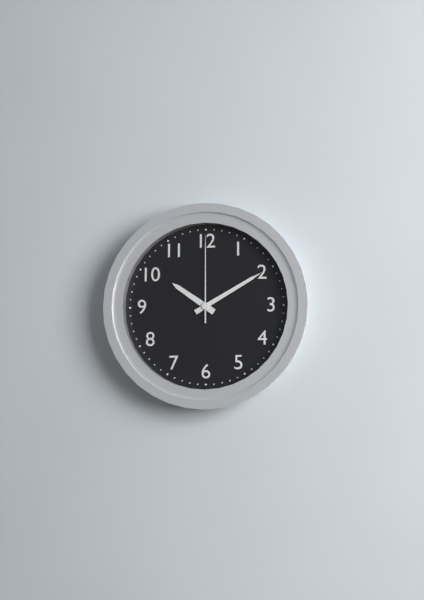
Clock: 10:10:00
